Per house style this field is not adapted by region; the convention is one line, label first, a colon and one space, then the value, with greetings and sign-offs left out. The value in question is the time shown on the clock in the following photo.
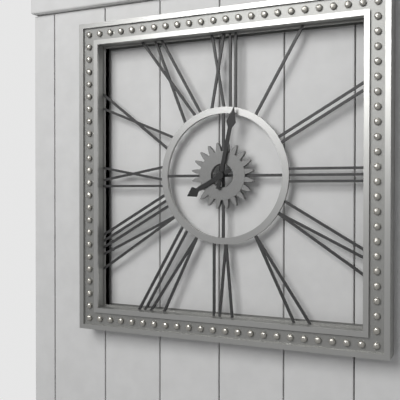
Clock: 8:02
